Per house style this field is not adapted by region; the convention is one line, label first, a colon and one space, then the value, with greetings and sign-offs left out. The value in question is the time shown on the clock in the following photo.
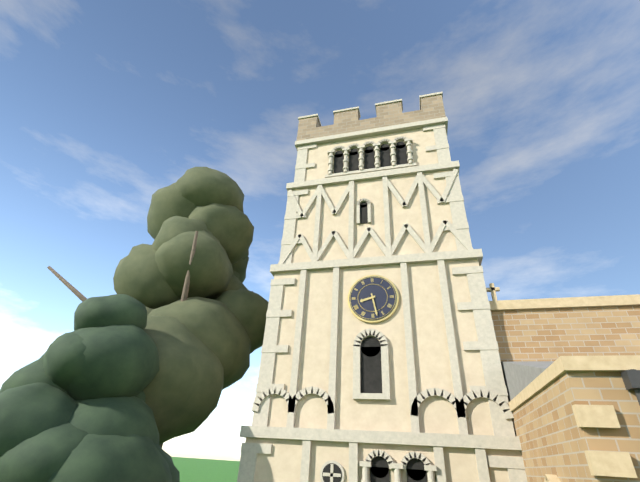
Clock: 8:28
